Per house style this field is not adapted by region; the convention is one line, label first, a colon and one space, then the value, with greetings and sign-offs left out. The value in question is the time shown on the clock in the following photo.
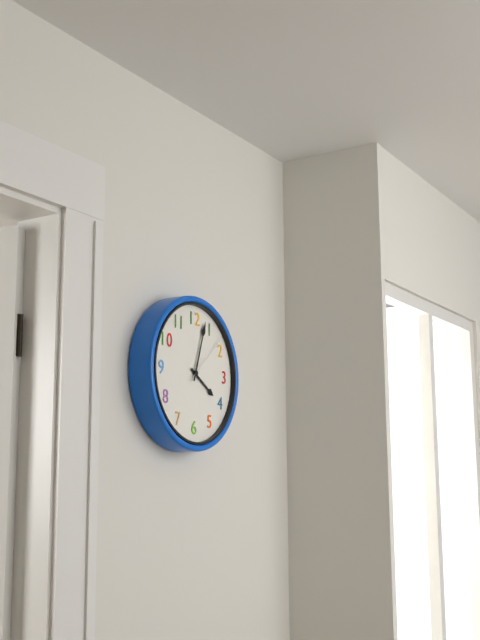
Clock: 4:03:08
